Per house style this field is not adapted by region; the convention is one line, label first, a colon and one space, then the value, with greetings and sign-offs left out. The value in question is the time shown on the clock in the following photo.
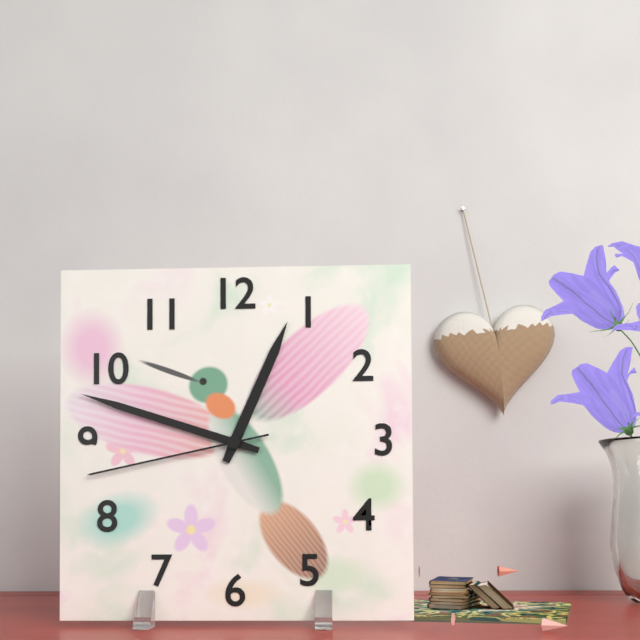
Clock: 12:48:43
